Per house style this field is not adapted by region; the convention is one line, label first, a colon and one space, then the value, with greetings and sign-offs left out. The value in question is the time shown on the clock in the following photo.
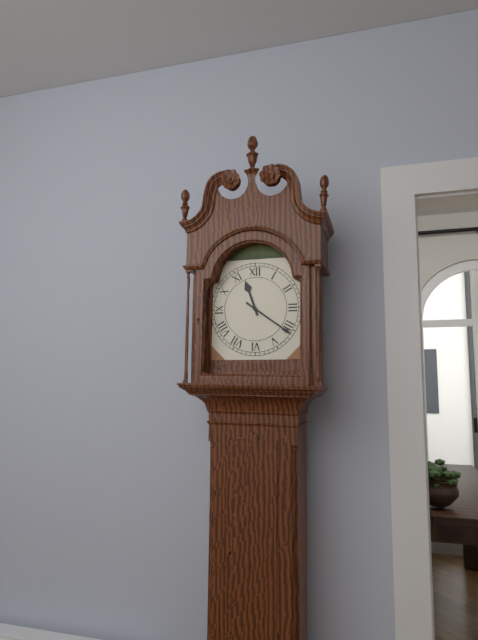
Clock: 11:21
